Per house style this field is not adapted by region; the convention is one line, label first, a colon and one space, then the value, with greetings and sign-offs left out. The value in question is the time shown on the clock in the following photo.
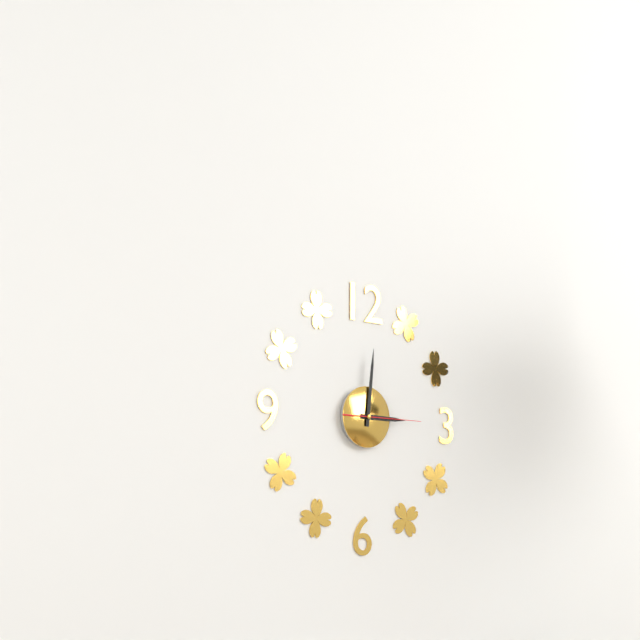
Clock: 3:01:15
